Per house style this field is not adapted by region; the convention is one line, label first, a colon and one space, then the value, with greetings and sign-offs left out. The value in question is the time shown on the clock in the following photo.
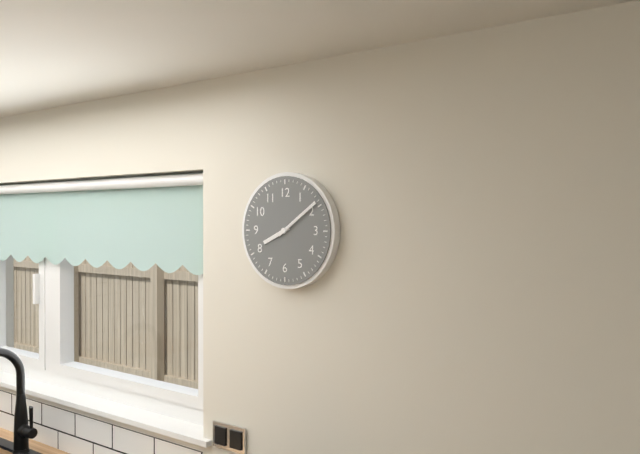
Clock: 8:09
